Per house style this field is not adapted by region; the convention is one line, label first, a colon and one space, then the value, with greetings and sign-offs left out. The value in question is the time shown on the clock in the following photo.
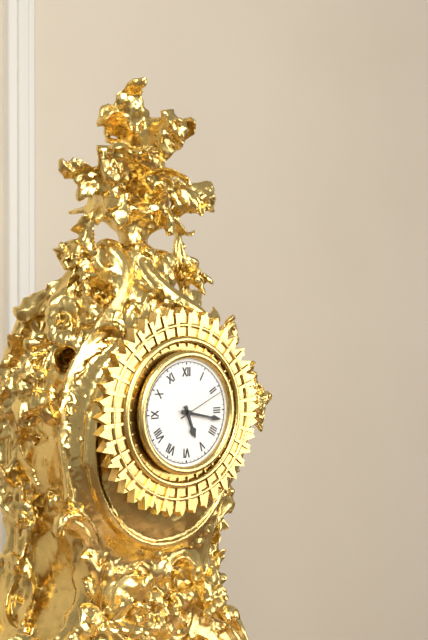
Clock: 5:17:11
